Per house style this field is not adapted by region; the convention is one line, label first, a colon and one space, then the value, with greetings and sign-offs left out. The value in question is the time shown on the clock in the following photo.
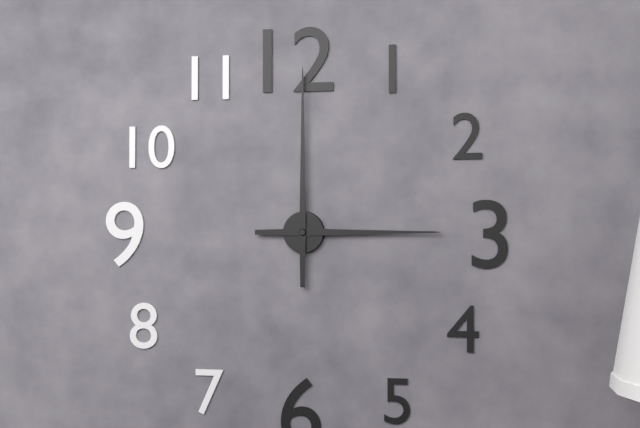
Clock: 3:00
